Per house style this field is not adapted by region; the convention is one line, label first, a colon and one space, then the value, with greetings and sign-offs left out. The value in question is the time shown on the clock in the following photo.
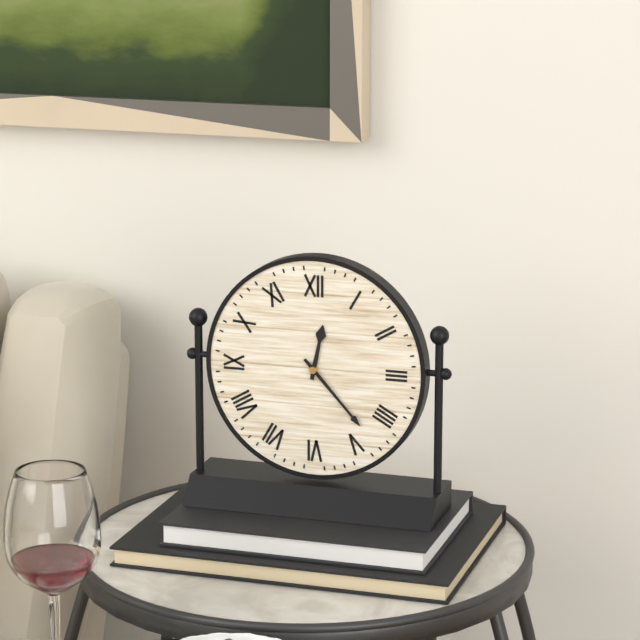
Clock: 12:23
